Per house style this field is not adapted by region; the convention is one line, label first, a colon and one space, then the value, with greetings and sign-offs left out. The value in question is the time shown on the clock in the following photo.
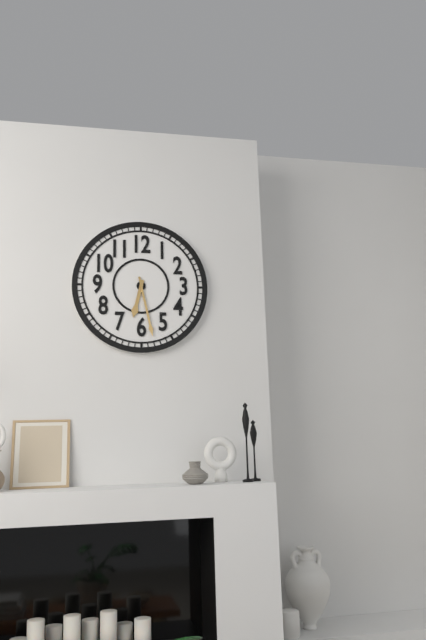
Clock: 6:28
